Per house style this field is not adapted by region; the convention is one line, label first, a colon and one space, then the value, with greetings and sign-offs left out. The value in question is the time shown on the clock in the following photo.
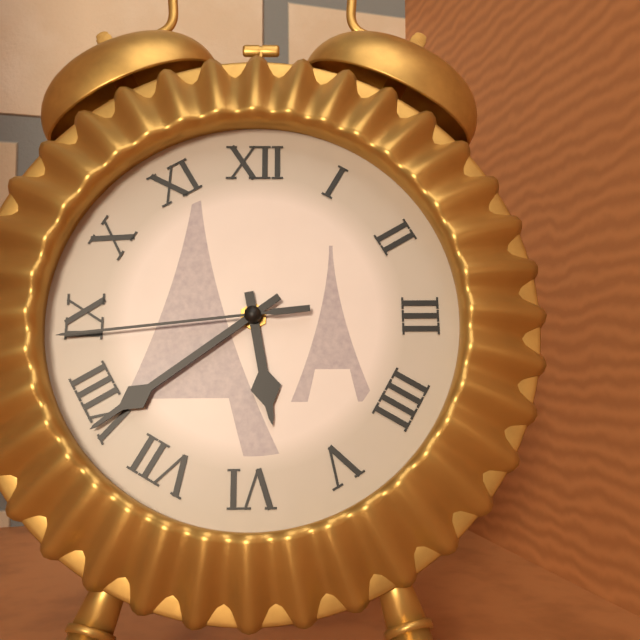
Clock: 5:39:44
